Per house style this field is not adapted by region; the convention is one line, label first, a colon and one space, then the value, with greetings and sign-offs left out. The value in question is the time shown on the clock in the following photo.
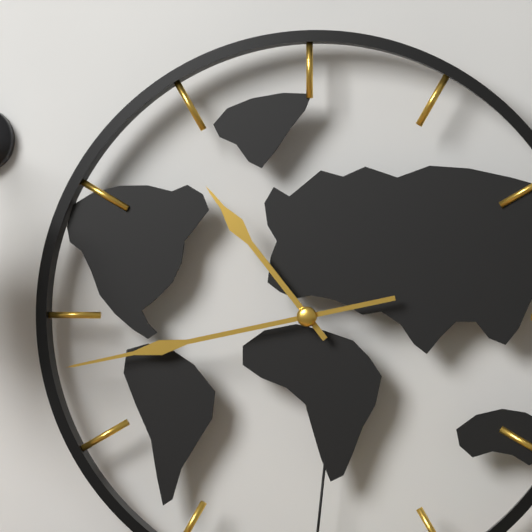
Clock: 10:43
